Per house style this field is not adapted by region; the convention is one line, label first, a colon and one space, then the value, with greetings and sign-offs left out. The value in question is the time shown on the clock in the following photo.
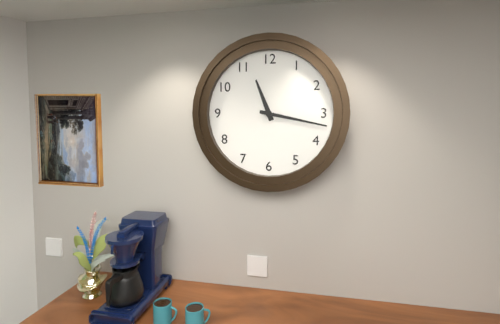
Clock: 11:17
